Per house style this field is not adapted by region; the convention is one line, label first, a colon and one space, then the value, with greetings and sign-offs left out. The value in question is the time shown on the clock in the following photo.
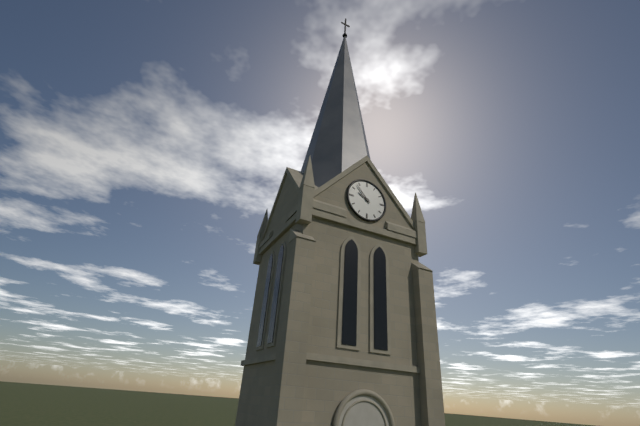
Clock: 9:53
